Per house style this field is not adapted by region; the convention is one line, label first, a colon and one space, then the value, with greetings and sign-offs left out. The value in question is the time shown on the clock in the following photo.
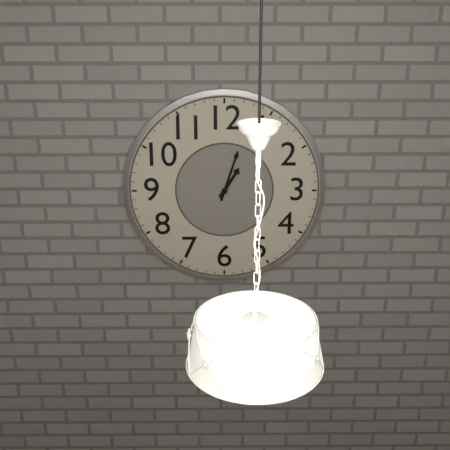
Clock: 1:03
